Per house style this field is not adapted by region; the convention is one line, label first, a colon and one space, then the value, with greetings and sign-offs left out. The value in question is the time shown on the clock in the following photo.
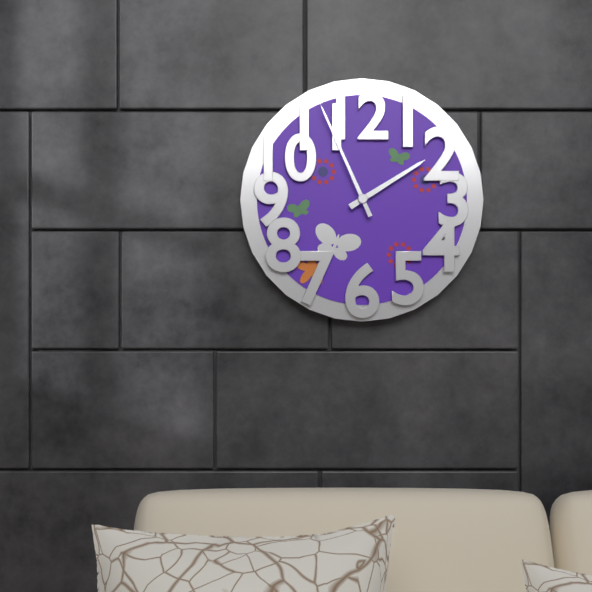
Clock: 1:56
